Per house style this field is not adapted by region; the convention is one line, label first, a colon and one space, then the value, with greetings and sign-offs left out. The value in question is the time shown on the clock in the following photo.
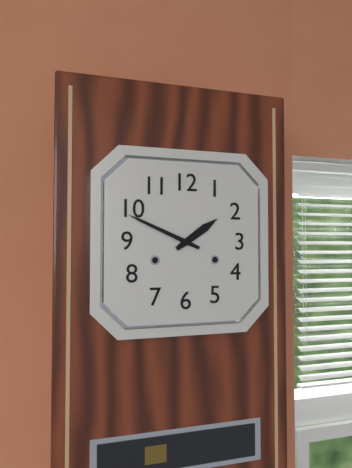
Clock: 1:49
